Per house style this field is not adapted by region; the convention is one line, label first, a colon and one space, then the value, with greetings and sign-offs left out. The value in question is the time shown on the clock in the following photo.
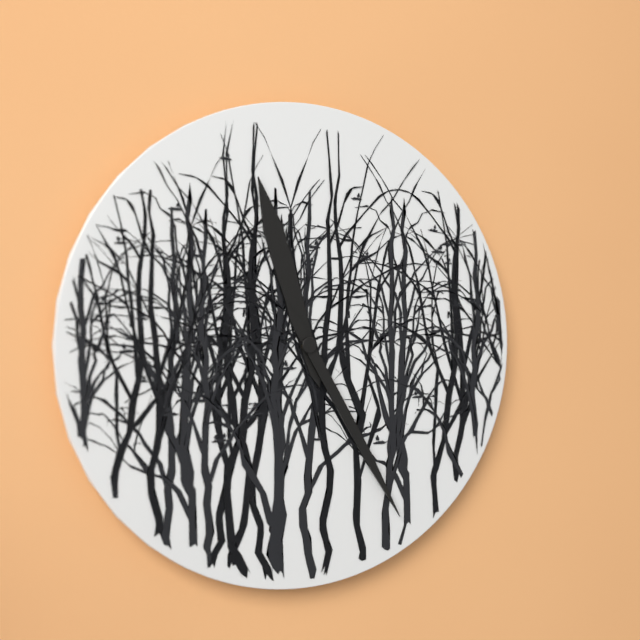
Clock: 11:25
